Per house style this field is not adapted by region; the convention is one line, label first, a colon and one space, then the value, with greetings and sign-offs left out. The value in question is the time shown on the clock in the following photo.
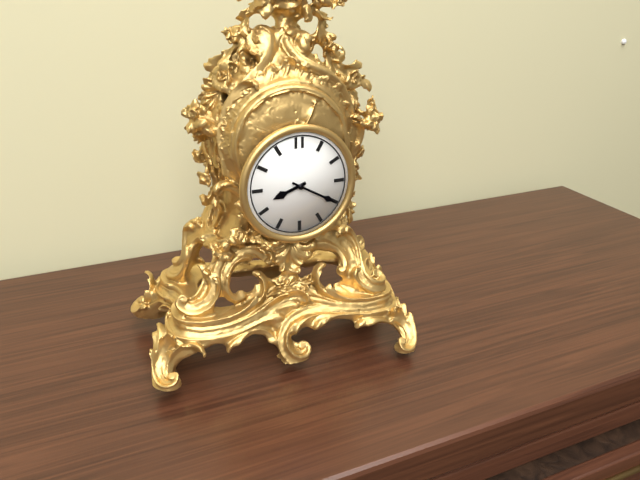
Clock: 8:20
